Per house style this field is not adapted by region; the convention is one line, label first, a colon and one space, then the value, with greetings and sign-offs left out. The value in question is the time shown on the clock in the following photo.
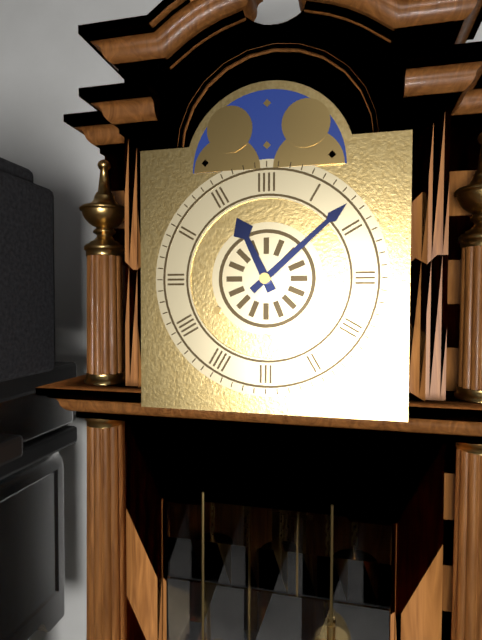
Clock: 11:08
